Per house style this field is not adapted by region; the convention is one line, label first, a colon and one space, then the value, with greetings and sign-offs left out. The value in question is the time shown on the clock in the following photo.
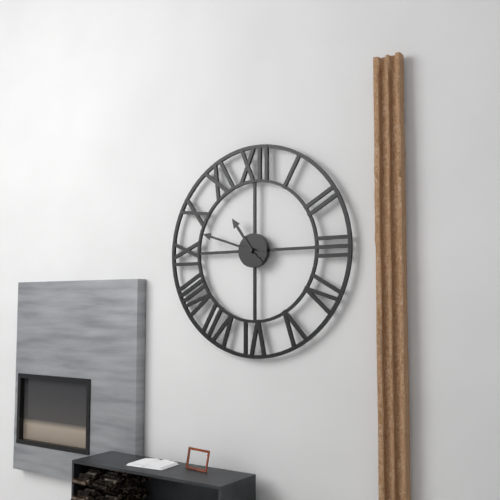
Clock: 10:48
